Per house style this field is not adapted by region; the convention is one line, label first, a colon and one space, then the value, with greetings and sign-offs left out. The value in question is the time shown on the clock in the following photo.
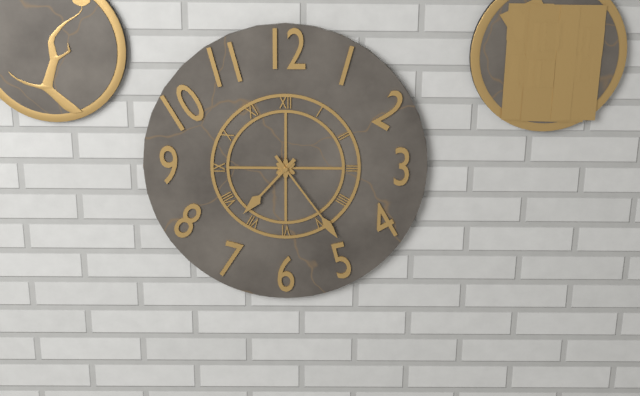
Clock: 7:24
